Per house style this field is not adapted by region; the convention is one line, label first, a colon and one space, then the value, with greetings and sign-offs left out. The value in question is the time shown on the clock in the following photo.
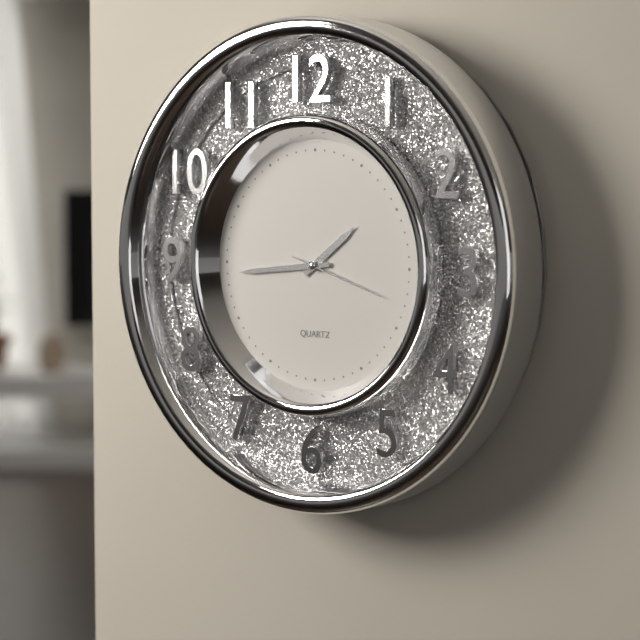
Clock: 1:44:18
